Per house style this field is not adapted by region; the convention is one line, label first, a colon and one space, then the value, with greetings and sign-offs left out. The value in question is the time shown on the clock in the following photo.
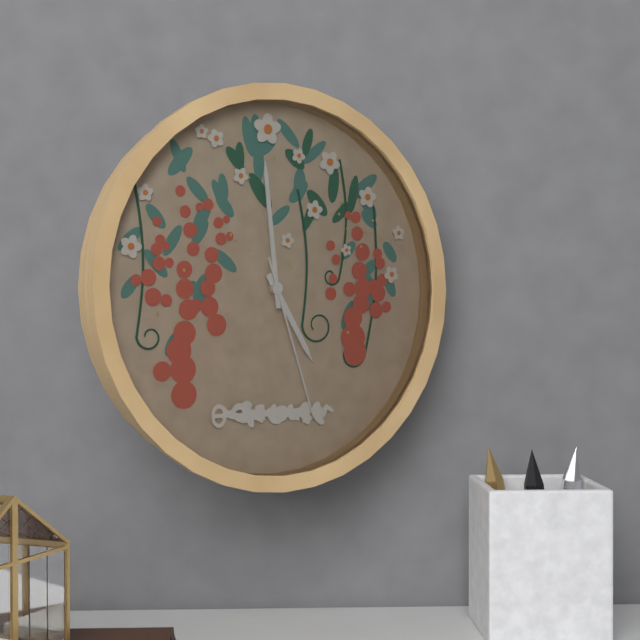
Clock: 4:59:27
